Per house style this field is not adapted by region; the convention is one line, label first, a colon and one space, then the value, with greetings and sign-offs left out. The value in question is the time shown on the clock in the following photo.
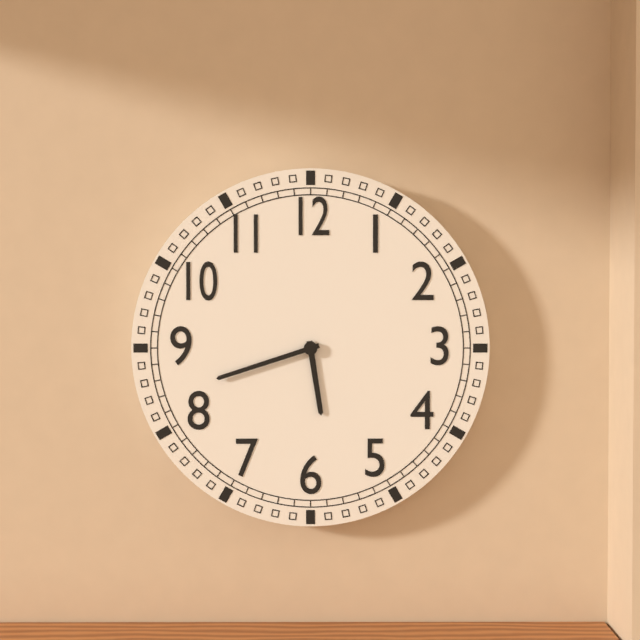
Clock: 5:42
